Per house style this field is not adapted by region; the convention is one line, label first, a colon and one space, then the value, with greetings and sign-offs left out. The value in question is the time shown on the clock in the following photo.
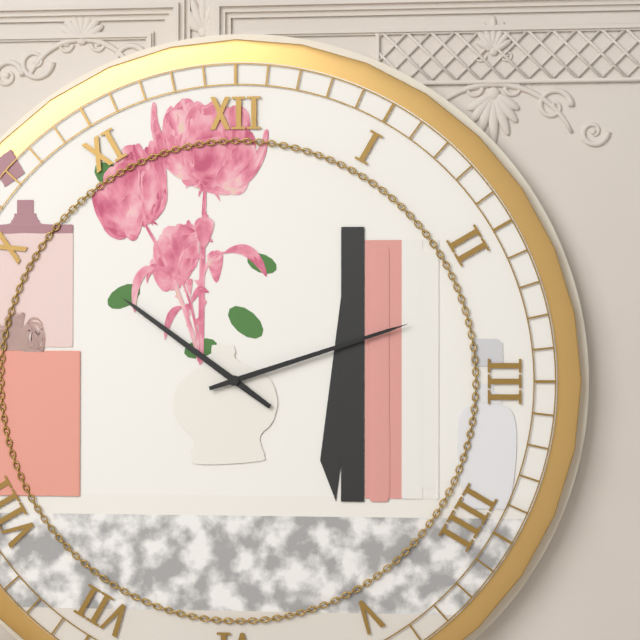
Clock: 10:12
